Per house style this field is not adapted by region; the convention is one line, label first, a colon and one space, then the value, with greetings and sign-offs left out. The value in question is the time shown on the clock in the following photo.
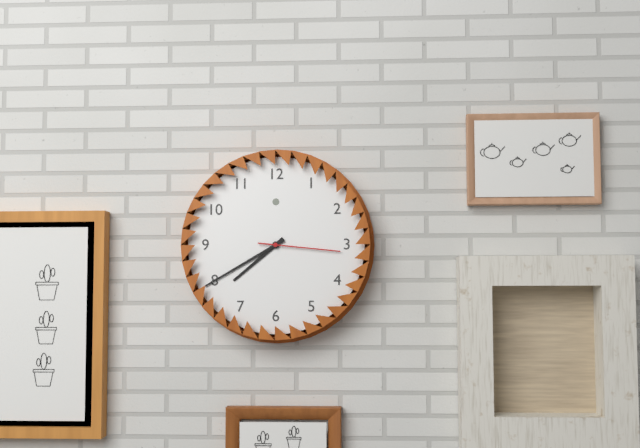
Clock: 7:40:16
